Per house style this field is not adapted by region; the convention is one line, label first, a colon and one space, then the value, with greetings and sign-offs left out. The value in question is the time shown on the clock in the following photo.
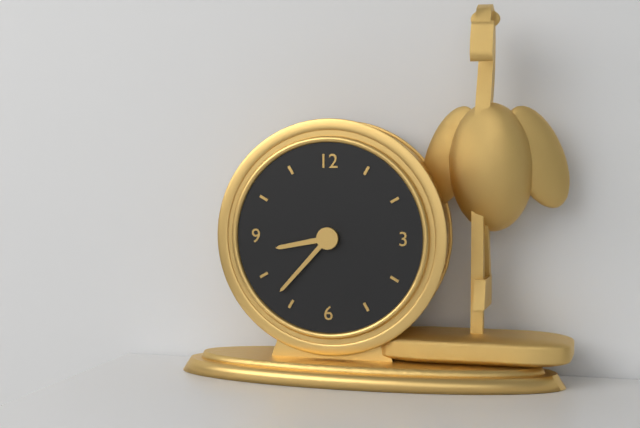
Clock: 8:37
